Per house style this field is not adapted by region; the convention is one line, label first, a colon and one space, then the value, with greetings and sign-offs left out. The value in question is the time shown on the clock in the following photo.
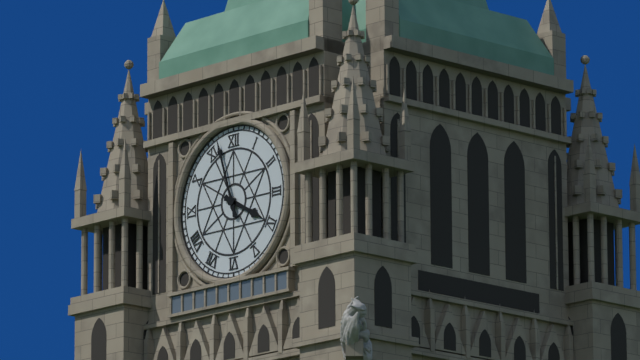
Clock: 3:57
